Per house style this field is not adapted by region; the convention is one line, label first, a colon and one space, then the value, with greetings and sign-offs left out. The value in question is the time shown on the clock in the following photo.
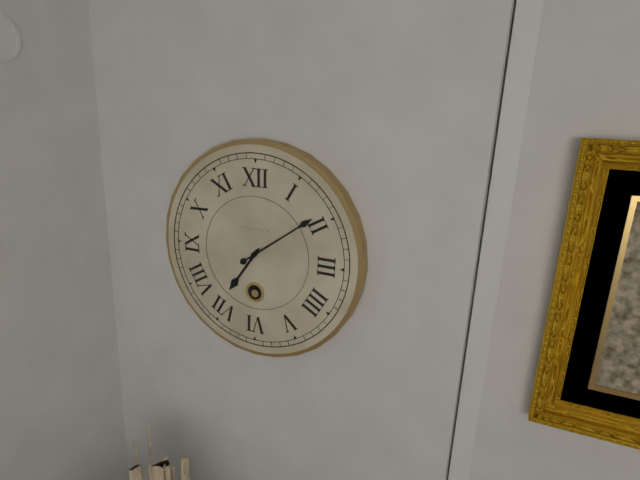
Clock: 7:09
